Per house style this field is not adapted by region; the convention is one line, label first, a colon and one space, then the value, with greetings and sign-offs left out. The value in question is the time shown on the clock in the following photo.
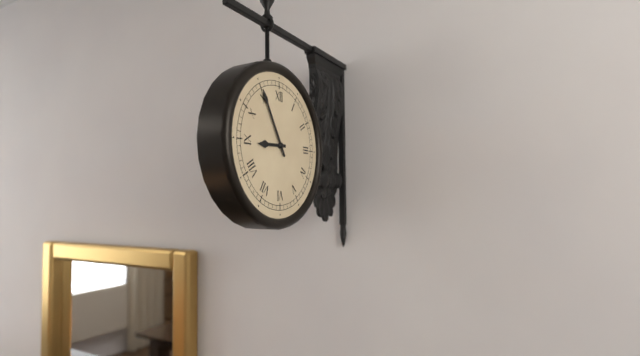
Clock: 8:55
